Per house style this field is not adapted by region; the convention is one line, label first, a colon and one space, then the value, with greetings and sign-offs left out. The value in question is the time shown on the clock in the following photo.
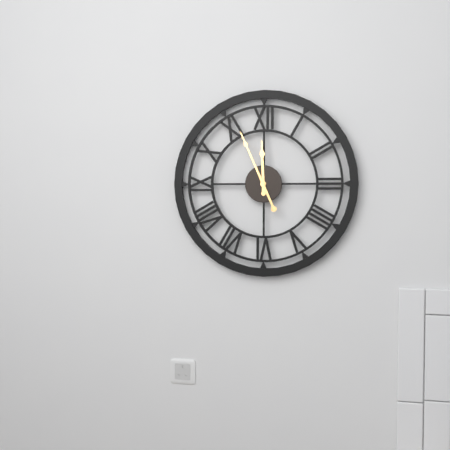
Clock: 11:56
